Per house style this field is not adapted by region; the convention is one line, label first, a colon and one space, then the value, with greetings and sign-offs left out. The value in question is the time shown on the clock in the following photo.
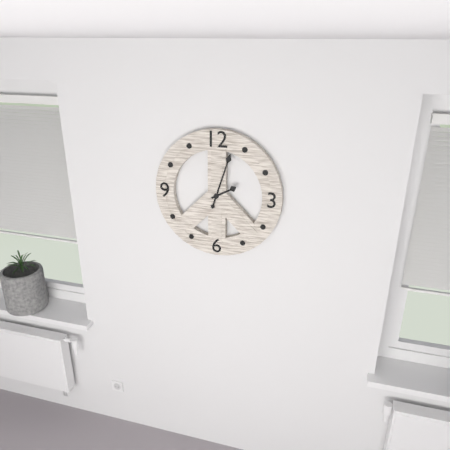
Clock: 2:03
